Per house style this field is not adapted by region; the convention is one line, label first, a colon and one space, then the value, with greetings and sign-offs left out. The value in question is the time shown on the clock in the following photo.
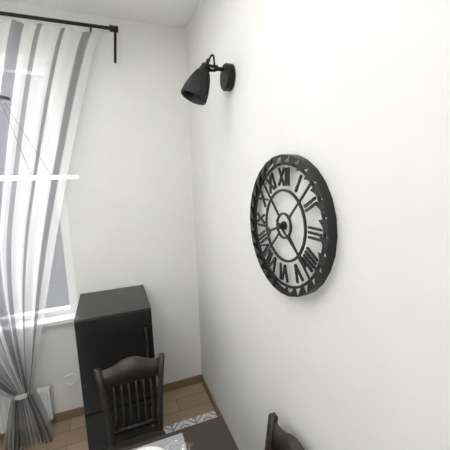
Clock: 8:21
